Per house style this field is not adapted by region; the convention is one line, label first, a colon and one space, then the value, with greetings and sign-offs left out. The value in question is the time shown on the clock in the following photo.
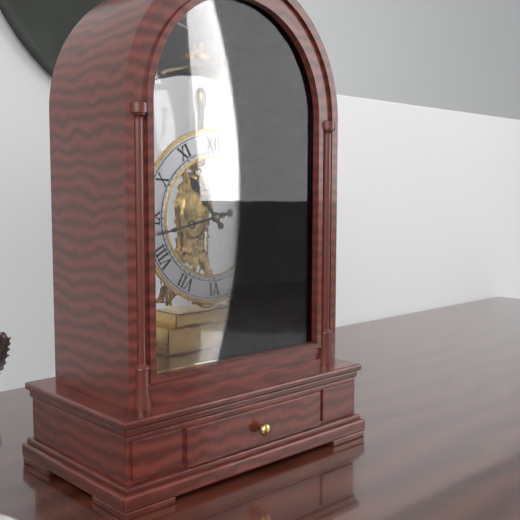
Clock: 10:43
